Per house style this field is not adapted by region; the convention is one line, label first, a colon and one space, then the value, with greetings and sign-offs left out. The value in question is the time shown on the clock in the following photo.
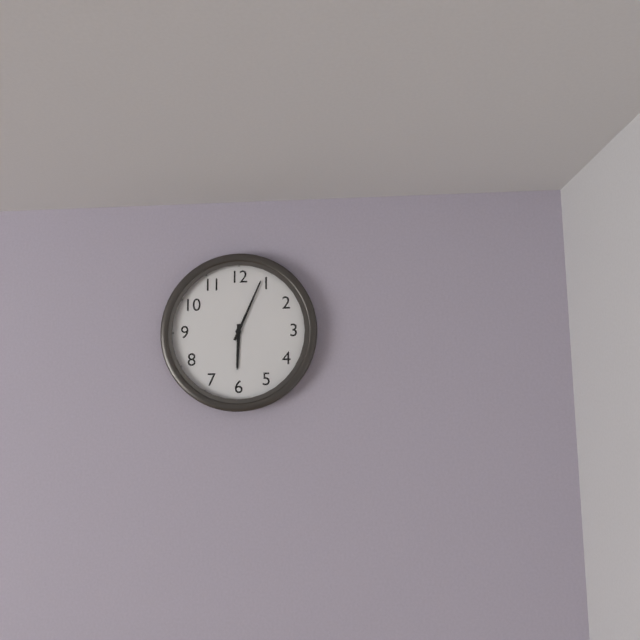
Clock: 6:04
